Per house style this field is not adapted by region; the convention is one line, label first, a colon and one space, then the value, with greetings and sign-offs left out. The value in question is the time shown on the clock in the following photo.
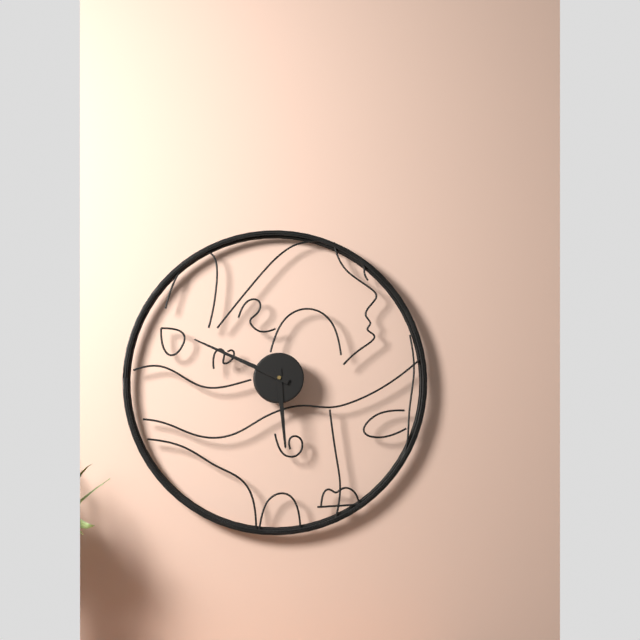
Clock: 5:49
